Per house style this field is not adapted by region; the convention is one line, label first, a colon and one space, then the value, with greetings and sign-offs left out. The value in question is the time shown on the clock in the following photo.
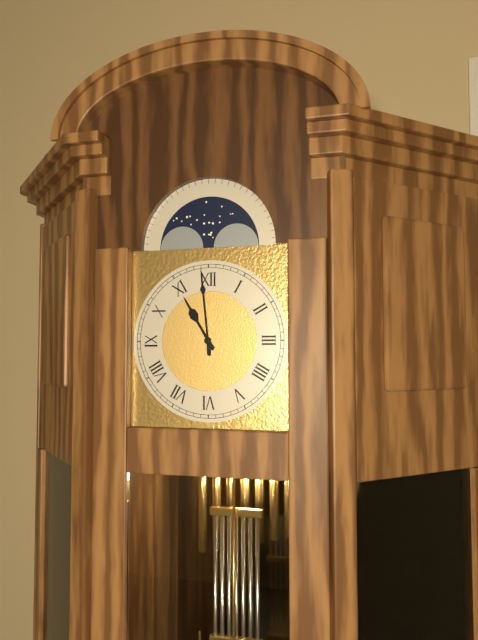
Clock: 10:59
